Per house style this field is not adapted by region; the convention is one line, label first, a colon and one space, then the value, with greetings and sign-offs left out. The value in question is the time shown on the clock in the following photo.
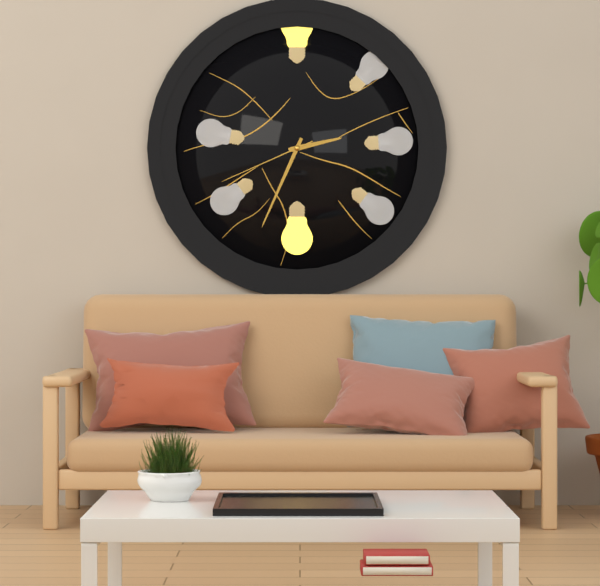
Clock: 2:34:41
